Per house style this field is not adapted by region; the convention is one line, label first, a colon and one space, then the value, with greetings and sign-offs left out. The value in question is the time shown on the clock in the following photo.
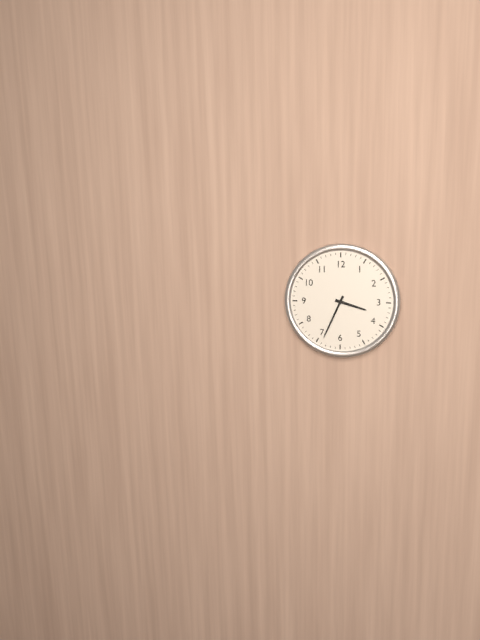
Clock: 3:34
